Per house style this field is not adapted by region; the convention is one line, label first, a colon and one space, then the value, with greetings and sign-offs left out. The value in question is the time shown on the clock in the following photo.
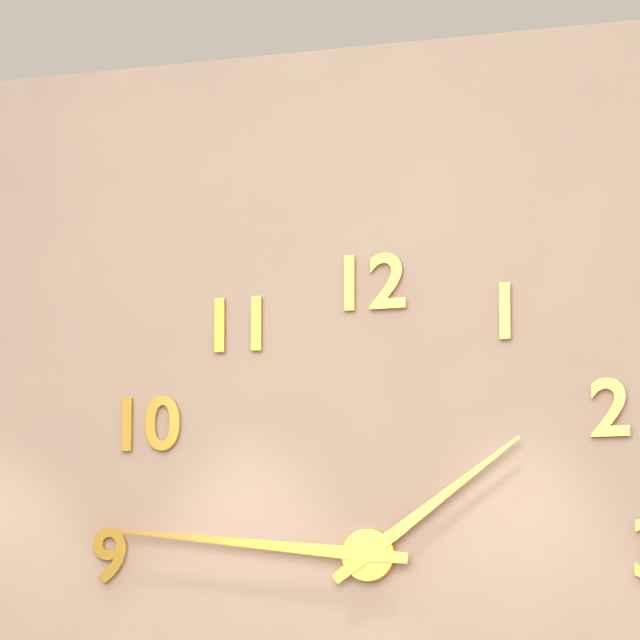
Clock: 1:46
